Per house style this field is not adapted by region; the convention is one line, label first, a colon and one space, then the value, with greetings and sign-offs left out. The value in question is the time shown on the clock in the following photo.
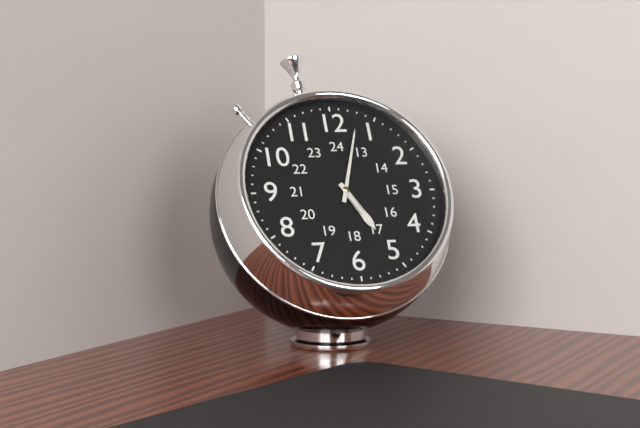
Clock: 5:03
